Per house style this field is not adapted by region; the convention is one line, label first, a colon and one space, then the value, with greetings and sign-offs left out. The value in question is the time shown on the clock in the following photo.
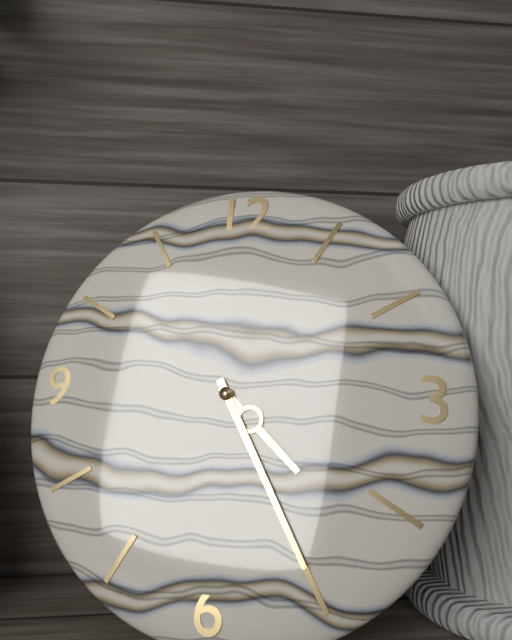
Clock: 4:25
